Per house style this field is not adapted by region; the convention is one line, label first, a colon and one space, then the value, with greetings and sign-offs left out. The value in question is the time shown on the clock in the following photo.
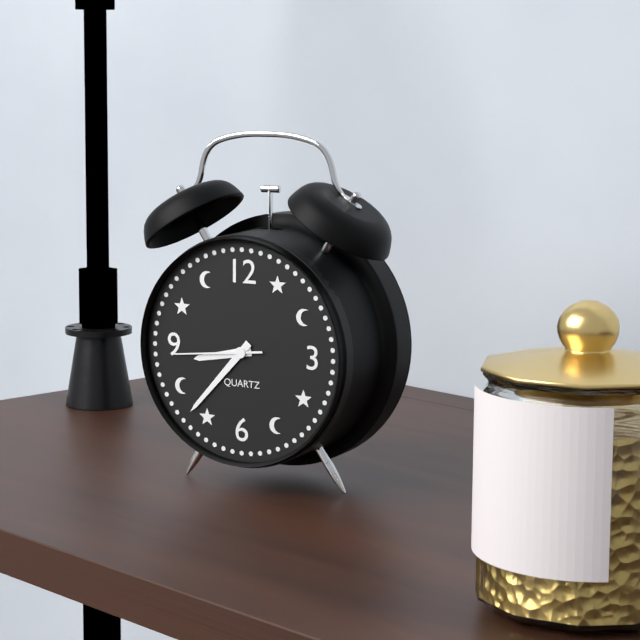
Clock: 8:37:44
